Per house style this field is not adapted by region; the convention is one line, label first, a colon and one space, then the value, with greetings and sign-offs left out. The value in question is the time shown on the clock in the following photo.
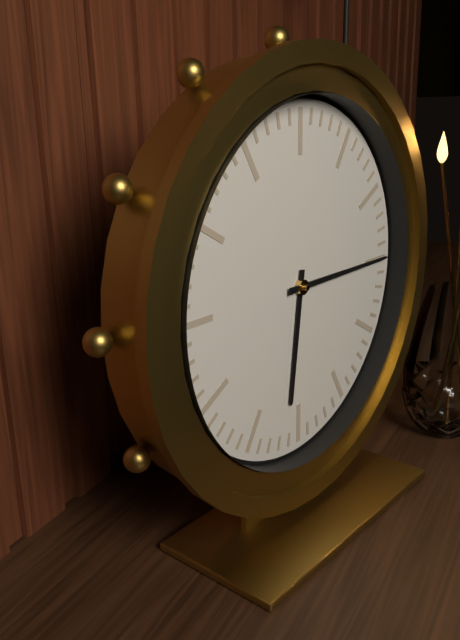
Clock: 6:15
